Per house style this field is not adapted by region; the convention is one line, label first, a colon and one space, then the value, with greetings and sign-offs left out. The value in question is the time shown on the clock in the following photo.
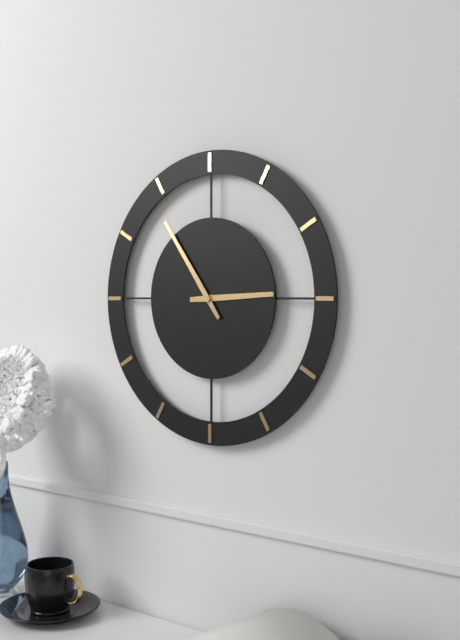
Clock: 2:54
